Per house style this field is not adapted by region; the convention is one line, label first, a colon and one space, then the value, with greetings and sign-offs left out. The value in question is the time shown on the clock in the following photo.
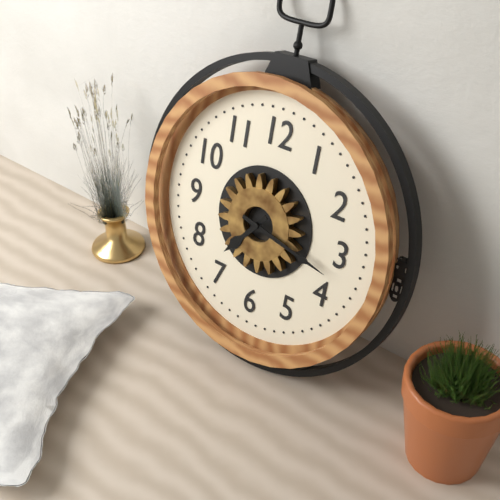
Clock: 7:17
